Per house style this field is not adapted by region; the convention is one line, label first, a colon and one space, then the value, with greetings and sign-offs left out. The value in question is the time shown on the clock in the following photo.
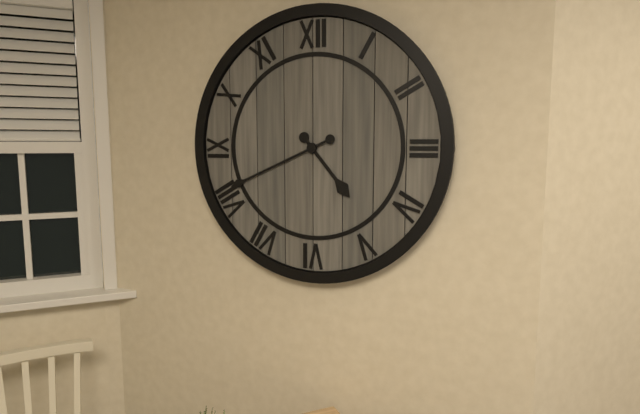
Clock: 4:41
